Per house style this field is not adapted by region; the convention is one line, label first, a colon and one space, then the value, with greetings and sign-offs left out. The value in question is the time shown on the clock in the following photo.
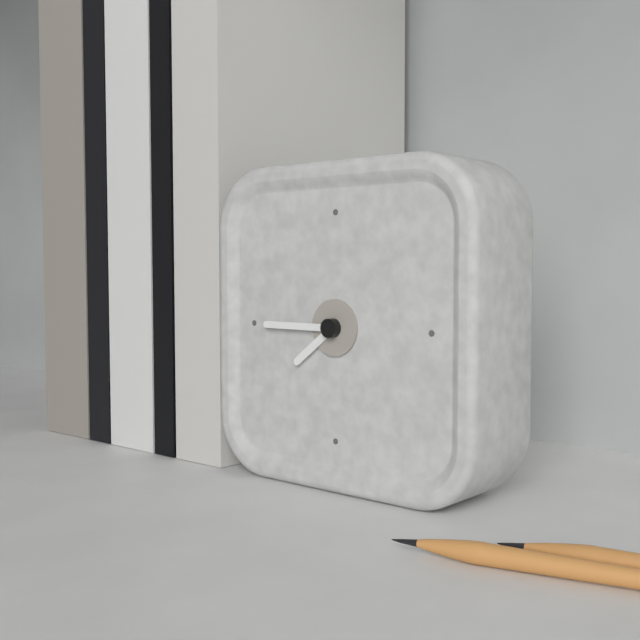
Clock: 7:45
